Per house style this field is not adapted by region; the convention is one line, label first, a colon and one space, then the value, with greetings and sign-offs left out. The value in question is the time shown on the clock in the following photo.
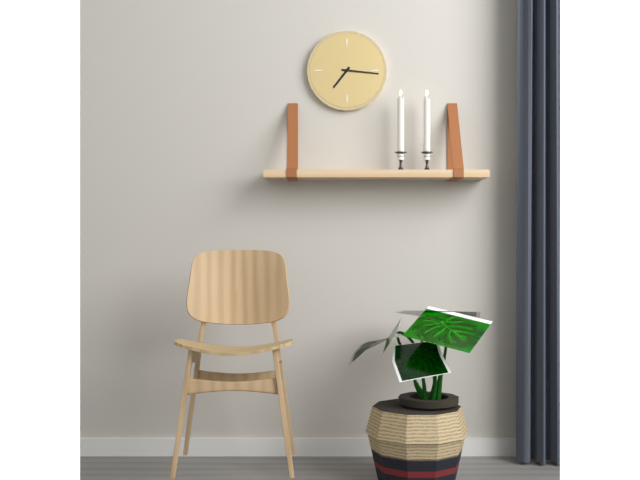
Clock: 7:16
